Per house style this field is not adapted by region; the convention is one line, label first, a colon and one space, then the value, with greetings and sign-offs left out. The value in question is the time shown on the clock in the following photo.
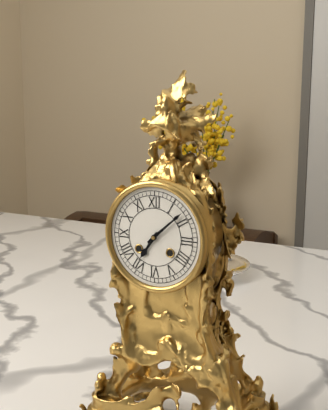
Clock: 7:08
